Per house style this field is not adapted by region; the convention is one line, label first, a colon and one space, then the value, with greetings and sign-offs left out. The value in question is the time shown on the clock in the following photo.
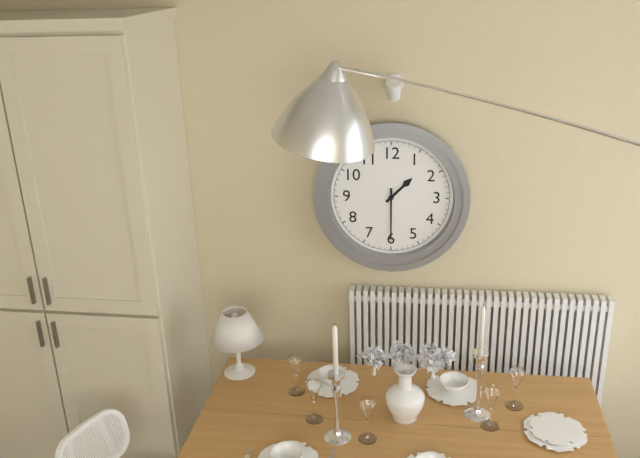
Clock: 1:30
